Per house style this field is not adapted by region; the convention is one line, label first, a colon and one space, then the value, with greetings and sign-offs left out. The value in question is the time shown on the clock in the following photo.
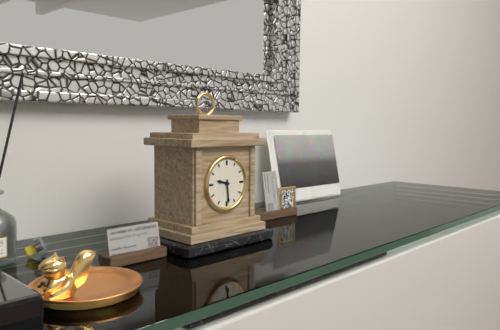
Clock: 9:29
